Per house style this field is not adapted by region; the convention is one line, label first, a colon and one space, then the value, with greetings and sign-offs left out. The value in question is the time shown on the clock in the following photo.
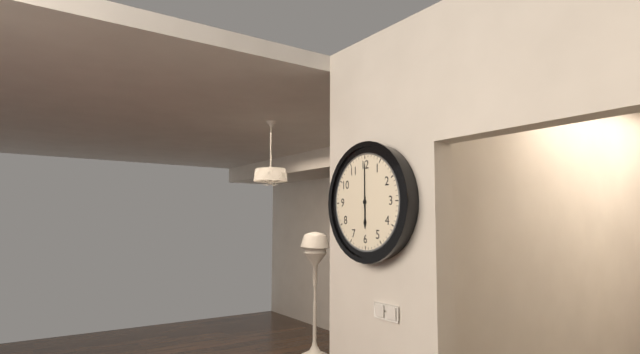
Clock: 6:00
